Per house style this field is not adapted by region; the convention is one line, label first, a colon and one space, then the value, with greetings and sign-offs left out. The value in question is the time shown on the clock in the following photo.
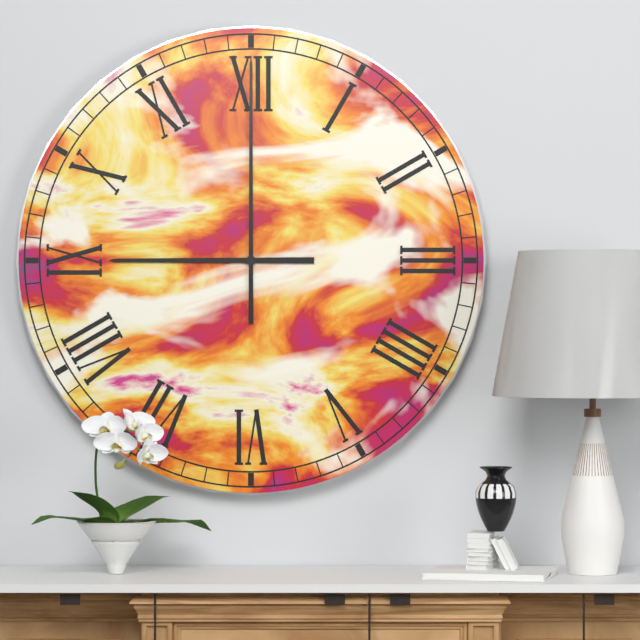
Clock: 9:00
